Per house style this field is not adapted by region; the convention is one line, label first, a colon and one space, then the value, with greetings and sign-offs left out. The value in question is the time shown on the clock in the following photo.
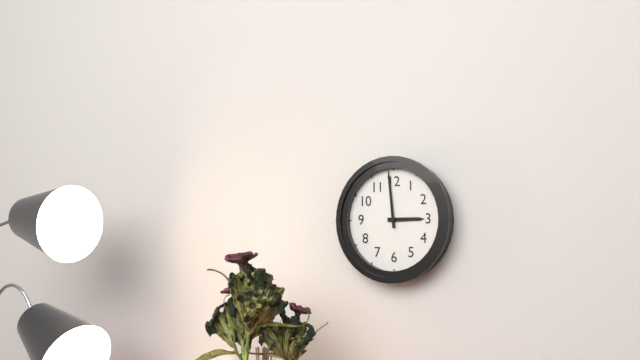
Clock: 2:59
